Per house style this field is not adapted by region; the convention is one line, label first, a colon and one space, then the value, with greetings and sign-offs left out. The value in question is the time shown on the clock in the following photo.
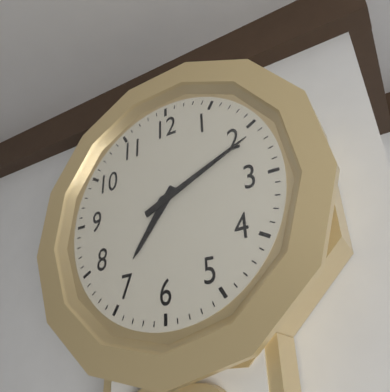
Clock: 7:11
